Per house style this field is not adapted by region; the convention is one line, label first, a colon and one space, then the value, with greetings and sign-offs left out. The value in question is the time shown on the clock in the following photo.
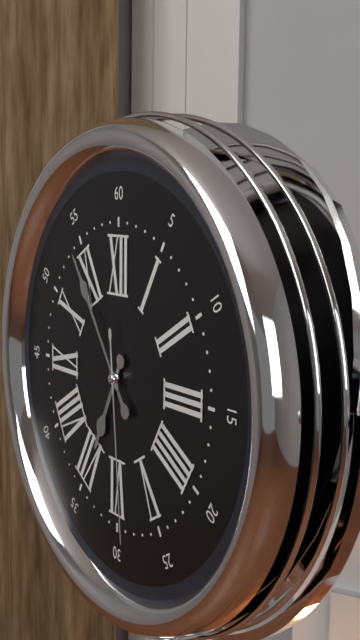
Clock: 6:54:29
